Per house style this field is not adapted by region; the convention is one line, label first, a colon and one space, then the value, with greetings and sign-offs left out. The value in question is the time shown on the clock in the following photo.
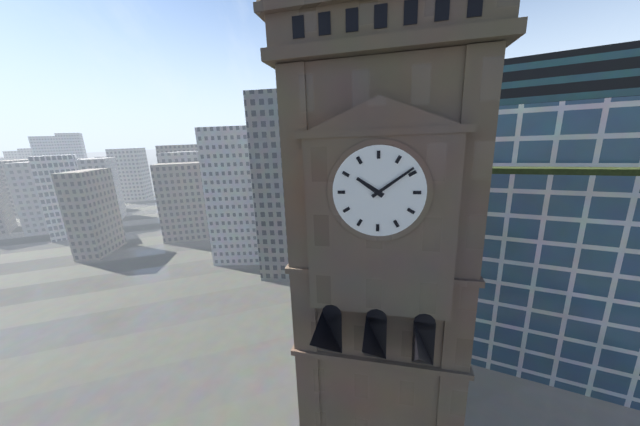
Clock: 10:09
